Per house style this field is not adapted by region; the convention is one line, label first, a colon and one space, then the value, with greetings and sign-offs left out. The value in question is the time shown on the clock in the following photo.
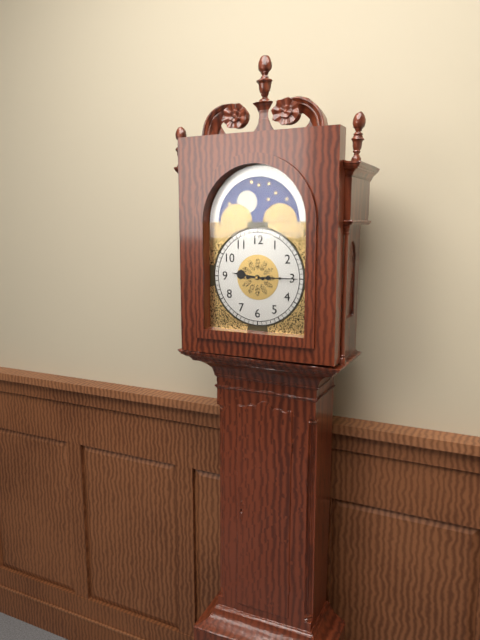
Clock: 9:15
